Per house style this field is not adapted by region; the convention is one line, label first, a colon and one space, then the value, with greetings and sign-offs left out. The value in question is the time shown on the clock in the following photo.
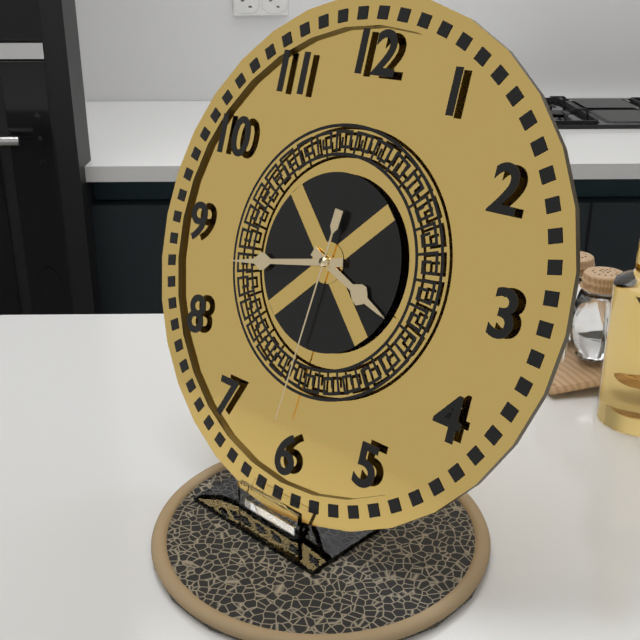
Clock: 3:43:31
